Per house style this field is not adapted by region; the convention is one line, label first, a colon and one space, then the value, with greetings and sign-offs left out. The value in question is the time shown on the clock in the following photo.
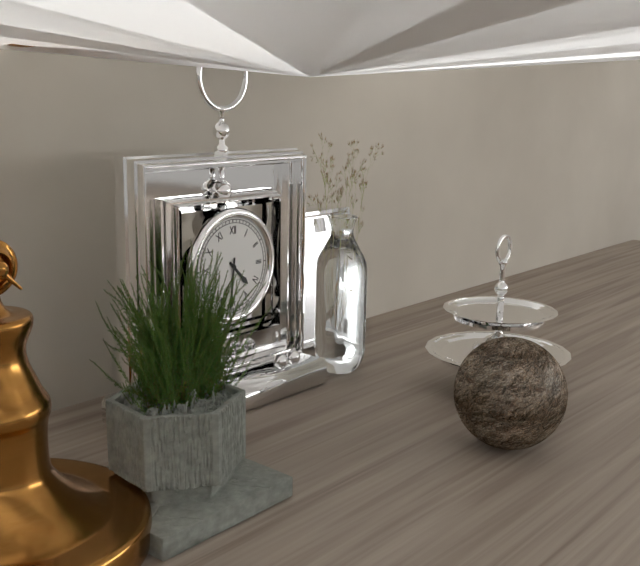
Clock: 4:31
